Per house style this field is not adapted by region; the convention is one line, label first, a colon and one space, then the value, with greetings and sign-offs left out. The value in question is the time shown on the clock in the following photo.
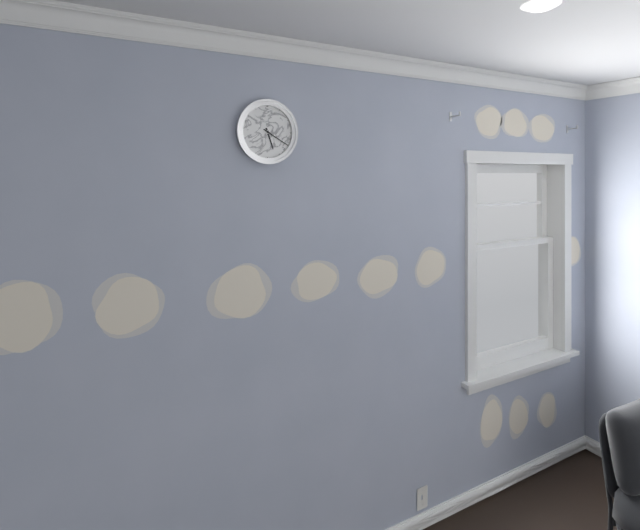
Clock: 5:20
